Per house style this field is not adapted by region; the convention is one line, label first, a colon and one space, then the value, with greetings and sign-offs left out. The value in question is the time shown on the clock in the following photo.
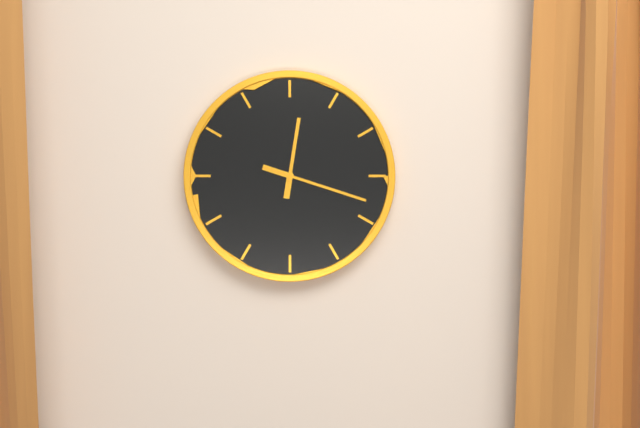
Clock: 12:18
